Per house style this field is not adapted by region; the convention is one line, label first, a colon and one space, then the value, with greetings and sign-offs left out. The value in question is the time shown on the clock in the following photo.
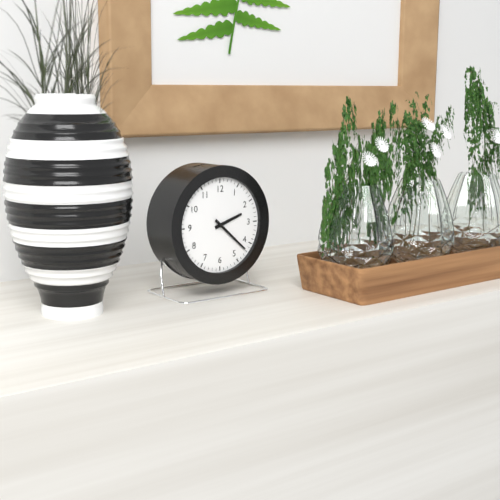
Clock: 2:22
